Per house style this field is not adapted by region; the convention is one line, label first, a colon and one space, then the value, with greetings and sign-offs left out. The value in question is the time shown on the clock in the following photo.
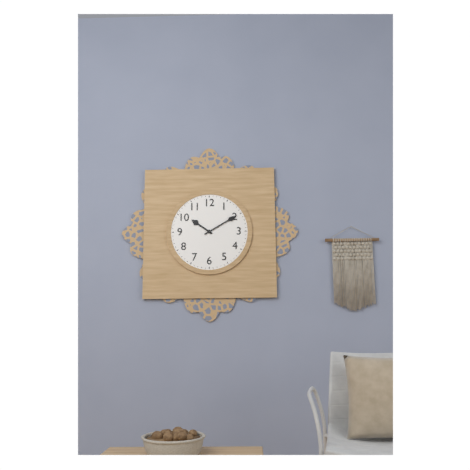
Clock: 10:10
